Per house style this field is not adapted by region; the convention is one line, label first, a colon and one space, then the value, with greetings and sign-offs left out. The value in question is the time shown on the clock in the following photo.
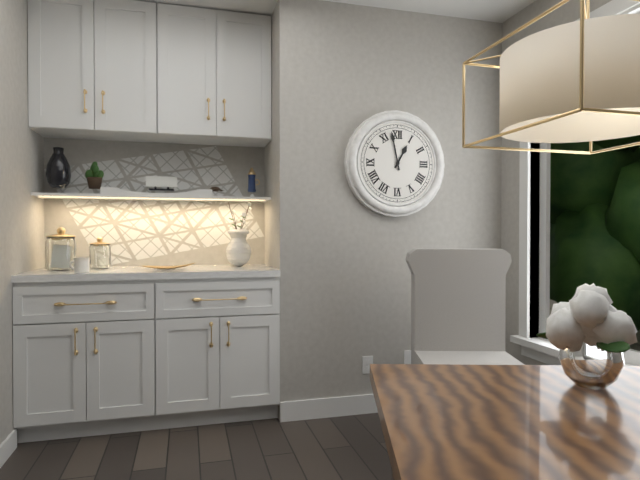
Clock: 12:58
